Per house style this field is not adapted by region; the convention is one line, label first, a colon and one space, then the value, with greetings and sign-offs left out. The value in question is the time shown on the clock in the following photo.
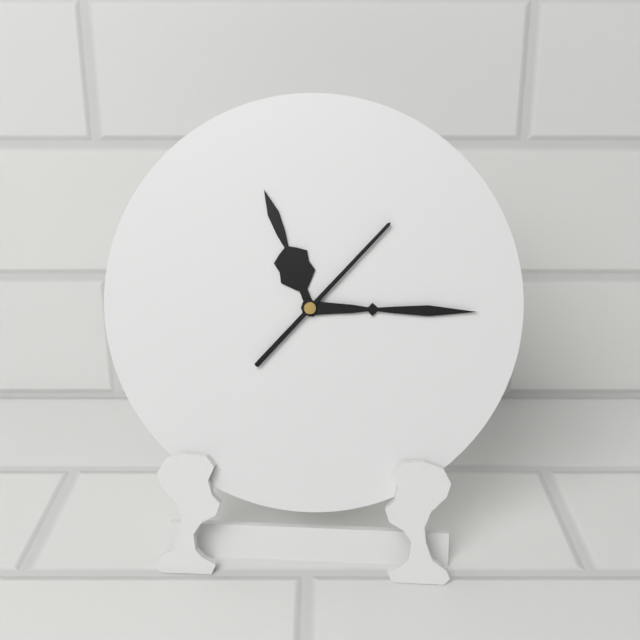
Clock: 11:15:07
